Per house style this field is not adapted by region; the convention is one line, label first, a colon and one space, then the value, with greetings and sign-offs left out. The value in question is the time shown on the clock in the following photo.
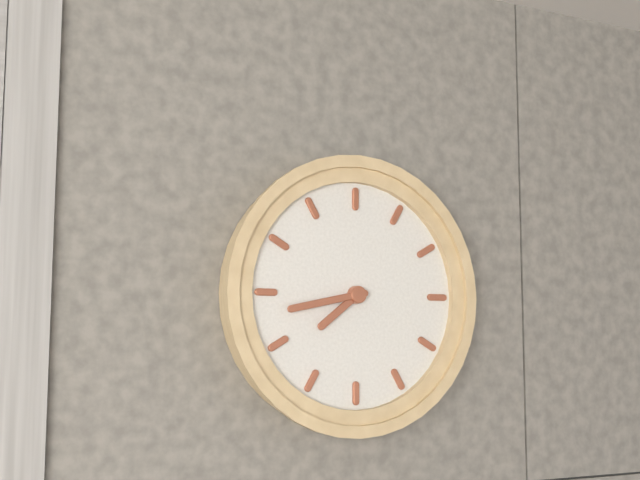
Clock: 7:43
